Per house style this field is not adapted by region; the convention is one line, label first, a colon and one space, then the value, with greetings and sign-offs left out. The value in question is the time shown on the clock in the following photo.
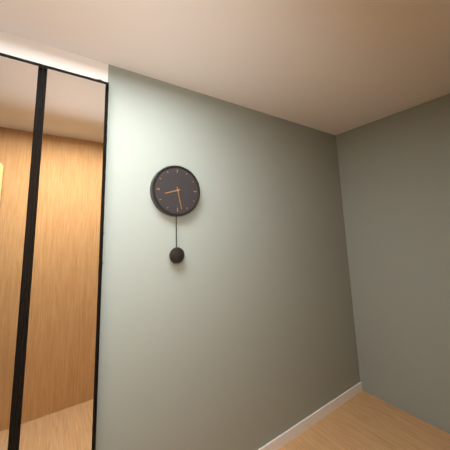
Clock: 8:28
